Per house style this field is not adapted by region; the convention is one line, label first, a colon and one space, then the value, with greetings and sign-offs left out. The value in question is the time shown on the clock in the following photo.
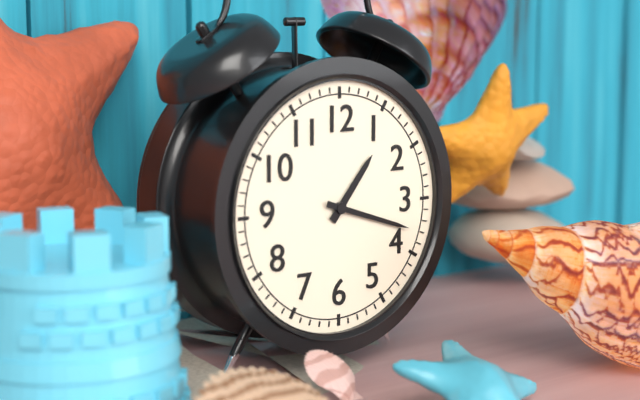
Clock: 1:18
